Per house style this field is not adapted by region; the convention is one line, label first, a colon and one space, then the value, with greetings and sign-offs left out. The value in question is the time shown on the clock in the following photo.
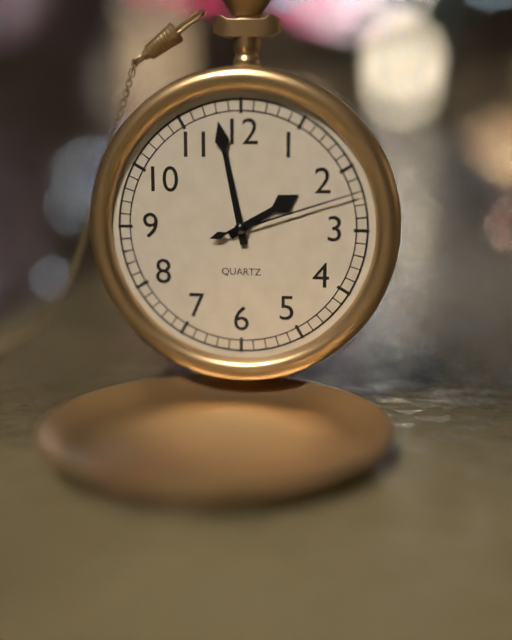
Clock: 1:58:12
